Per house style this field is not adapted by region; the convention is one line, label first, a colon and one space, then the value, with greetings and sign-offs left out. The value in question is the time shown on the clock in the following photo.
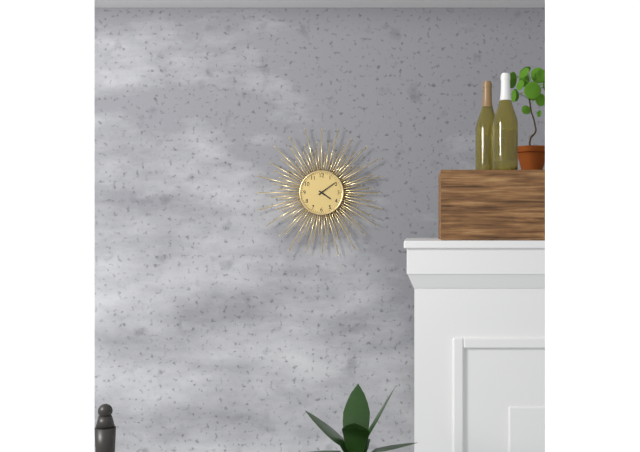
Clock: 4:09
